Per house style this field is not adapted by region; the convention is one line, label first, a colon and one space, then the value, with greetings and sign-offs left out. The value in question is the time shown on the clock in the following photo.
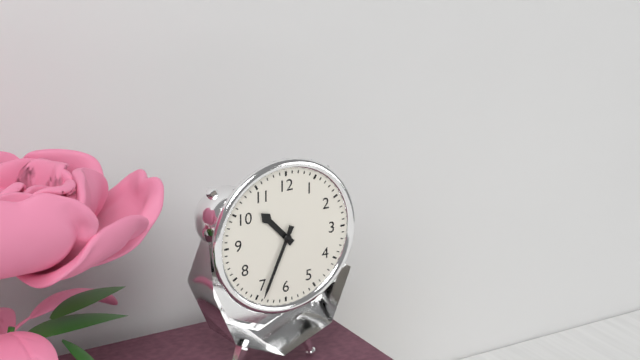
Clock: 10:34
